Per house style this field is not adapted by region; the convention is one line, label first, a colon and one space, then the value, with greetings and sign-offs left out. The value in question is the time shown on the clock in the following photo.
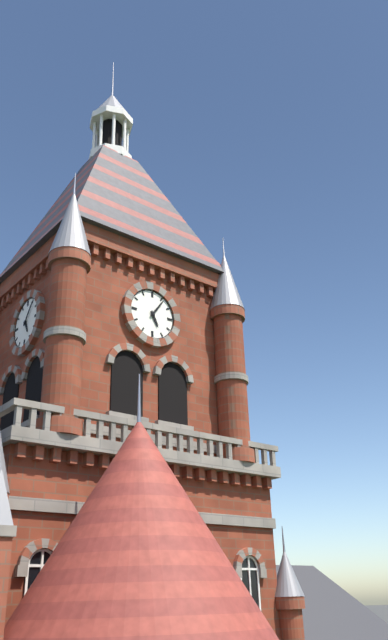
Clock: 5:06
